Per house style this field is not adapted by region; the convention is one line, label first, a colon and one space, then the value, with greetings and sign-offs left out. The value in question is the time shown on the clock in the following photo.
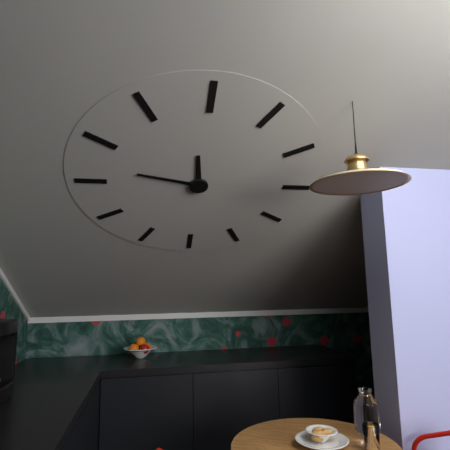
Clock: 11:47
